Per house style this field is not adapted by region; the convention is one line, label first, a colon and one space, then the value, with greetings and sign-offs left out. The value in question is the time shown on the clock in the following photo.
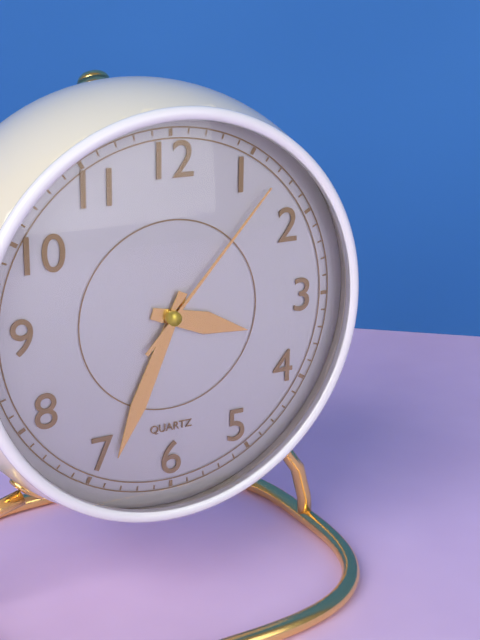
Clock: 3:34:07
